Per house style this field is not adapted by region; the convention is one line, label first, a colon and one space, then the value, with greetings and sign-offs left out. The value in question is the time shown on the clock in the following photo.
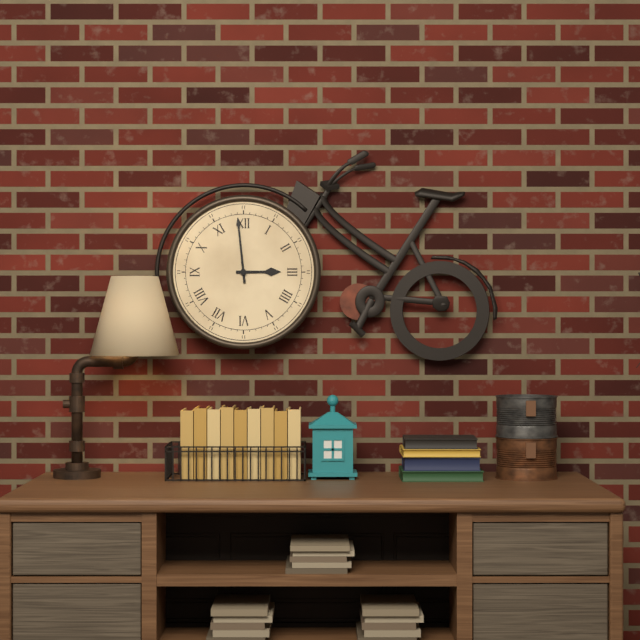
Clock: 2:59
